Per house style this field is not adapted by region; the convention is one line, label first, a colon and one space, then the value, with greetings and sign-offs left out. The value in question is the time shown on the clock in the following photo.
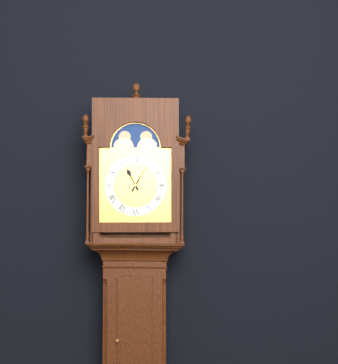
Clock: 11:05
